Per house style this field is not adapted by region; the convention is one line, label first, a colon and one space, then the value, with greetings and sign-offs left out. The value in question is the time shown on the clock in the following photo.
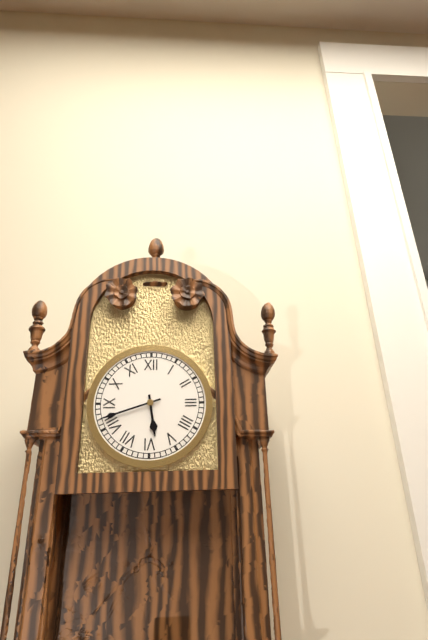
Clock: 5:42
